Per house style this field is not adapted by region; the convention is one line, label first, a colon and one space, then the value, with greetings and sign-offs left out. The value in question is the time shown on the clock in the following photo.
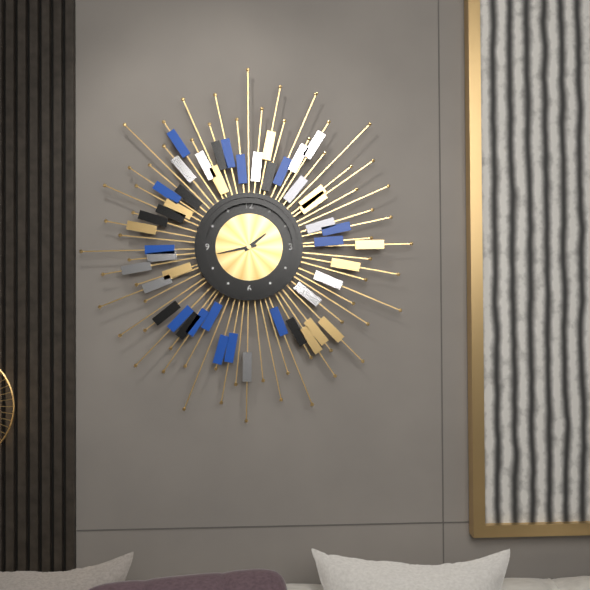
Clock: 1:43
